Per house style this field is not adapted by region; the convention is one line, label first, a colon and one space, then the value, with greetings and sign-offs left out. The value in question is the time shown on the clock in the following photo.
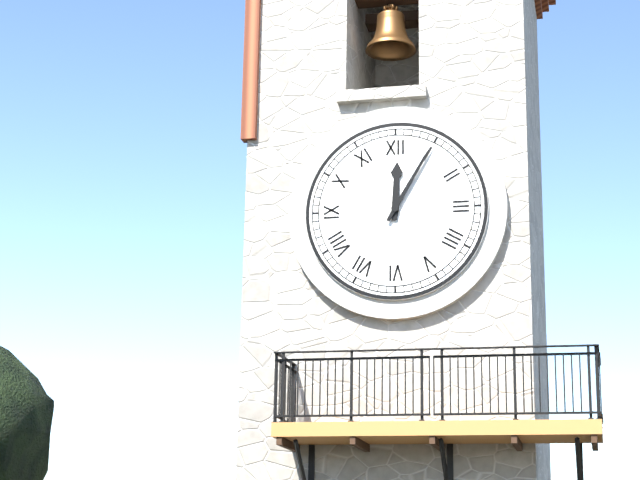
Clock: 12:05
